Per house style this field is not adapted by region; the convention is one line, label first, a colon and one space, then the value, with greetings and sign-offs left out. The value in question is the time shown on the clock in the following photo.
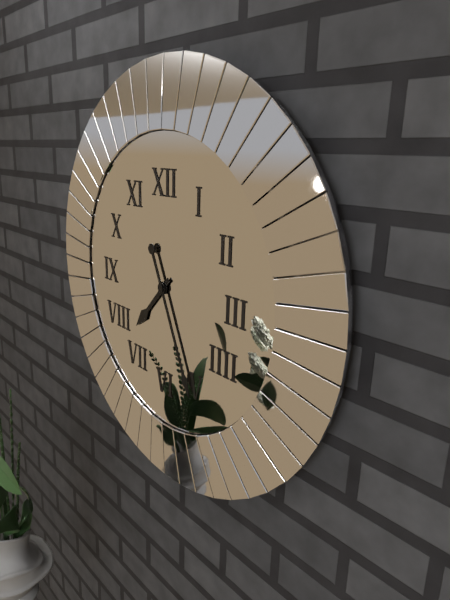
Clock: 7:26
